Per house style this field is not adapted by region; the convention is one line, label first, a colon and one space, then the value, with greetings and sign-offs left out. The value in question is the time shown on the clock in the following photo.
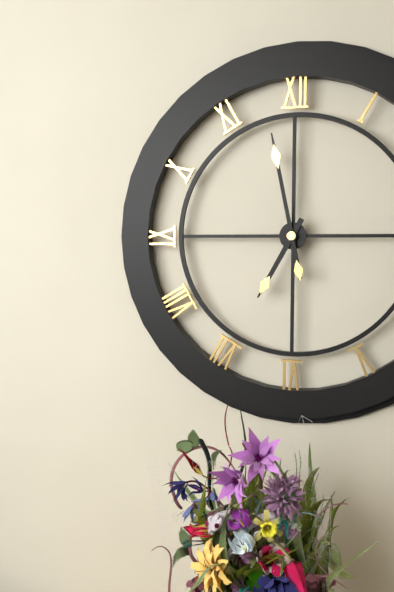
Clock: 6:58
